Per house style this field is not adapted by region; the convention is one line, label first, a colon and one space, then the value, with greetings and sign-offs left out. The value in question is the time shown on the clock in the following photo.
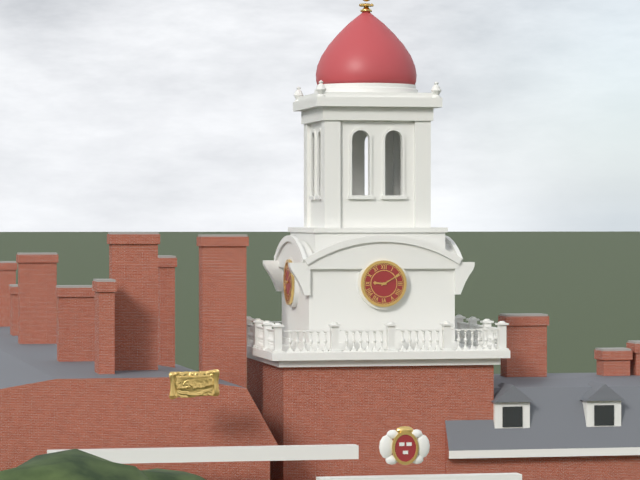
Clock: 9:10
